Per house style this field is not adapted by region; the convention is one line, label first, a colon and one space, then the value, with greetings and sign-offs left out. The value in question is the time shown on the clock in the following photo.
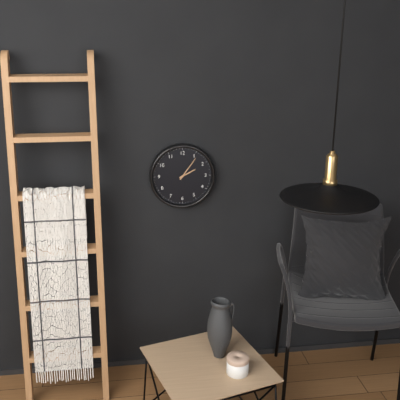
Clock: 2:06
